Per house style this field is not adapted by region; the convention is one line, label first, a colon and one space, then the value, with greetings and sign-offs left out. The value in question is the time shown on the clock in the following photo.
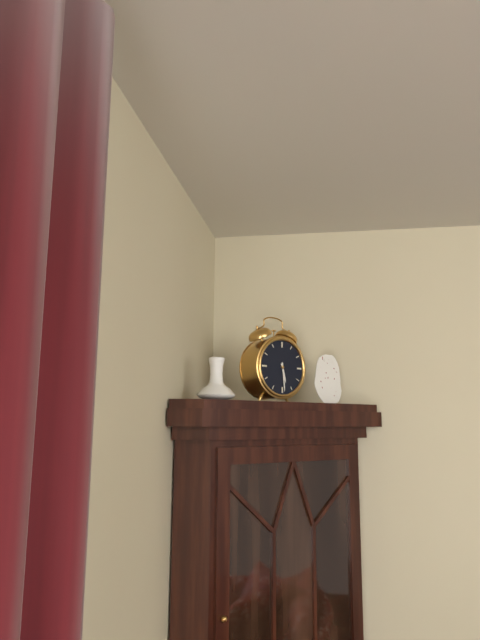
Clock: 5:29
